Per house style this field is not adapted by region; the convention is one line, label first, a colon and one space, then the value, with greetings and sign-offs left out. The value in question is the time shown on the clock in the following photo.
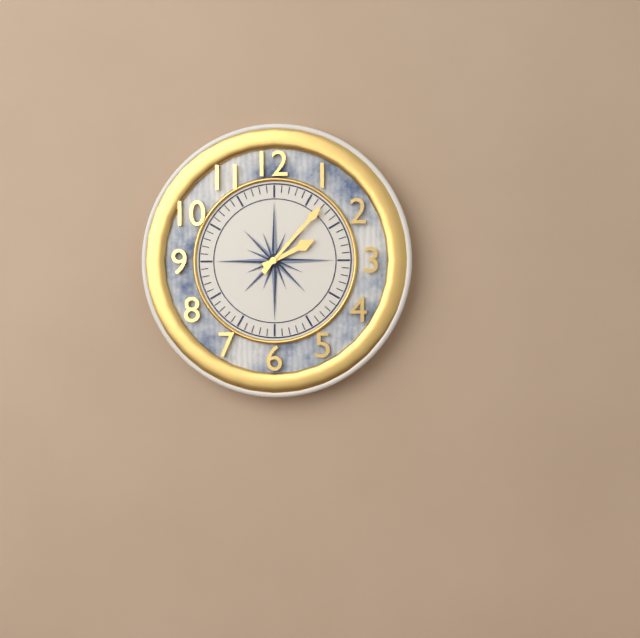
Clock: 2:07
